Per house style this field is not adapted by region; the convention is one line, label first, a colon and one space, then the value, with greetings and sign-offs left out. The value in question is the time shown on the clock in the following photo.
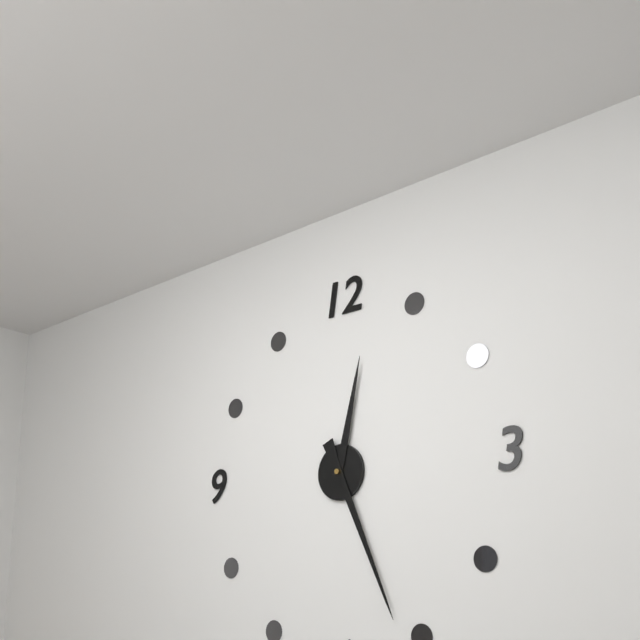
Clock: 12:26
